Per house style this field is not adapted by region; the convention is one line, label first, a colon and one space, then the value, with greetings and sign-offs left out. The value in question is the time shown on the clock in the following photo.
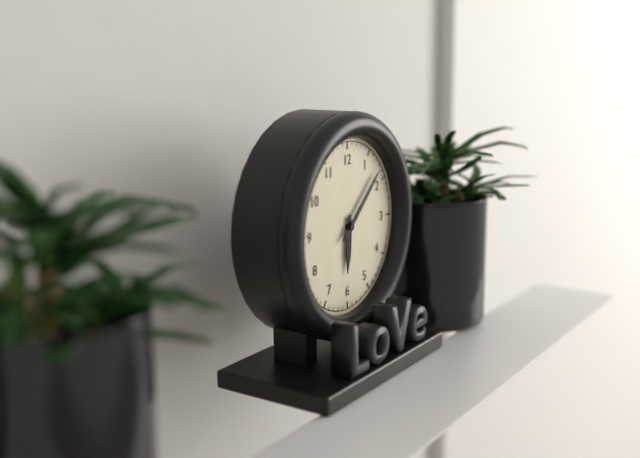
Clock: 6:08
